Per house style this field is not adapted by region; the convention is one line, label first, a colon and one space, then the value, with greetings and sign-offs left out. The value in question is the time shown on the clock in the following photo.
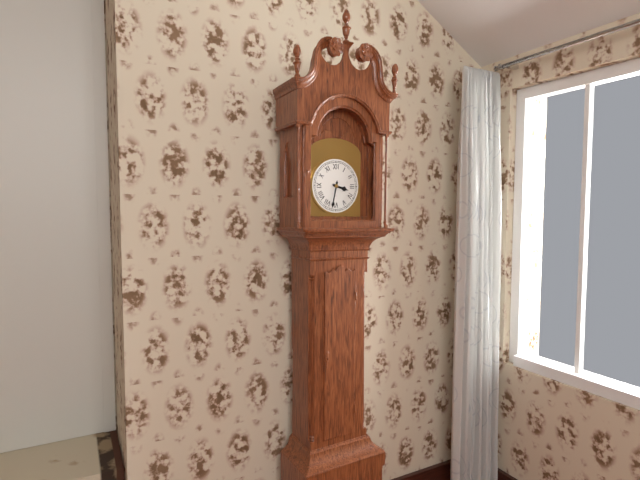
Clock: 3:32
